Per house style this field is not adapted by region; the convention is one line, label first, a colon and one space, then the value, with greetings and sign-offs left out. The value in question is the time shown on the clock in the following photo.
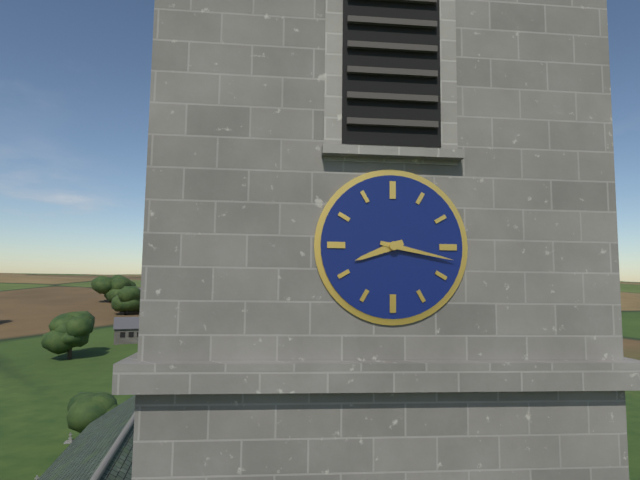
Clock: 8:17
